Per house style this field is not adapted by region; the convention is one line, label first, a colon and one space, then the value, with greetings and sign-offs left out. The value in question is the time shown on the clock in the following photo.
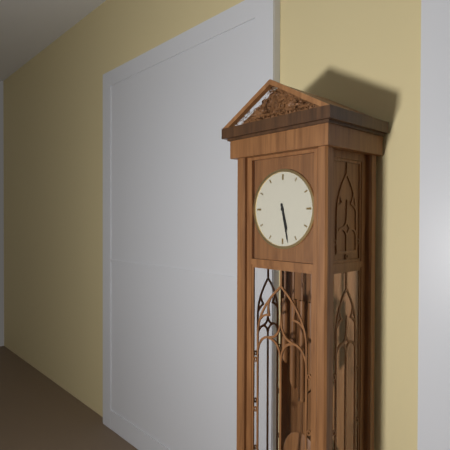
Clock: 5:28
